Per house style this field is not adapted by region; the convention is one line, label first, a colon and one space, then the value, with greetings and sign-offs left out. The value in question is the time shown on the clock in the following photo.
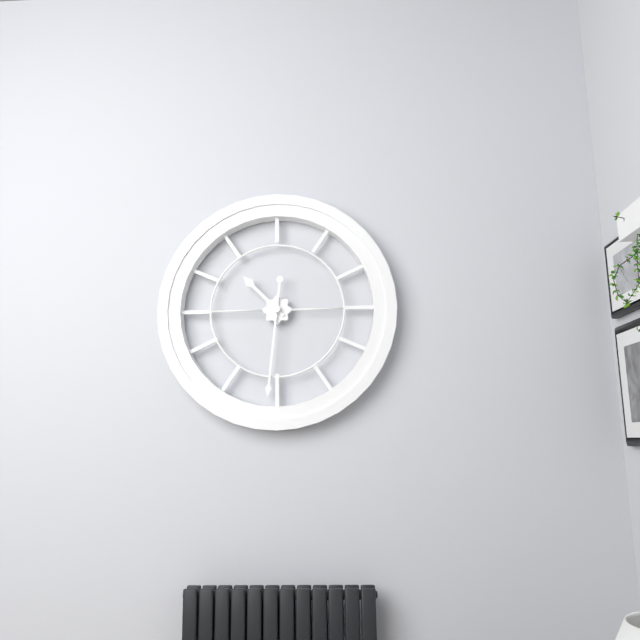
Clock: 10:31
